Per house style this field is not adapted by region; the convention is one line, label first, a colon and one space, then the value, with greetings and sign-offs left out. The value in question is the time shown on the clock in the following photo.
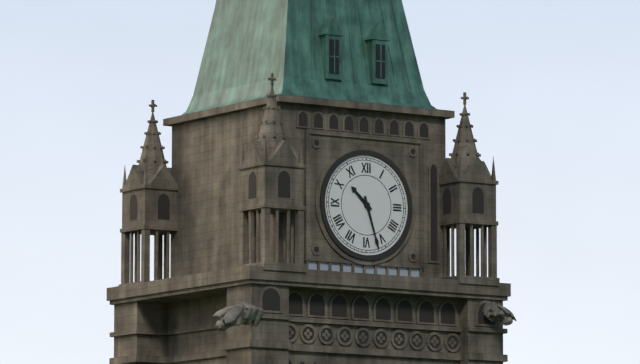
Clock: 10:27
